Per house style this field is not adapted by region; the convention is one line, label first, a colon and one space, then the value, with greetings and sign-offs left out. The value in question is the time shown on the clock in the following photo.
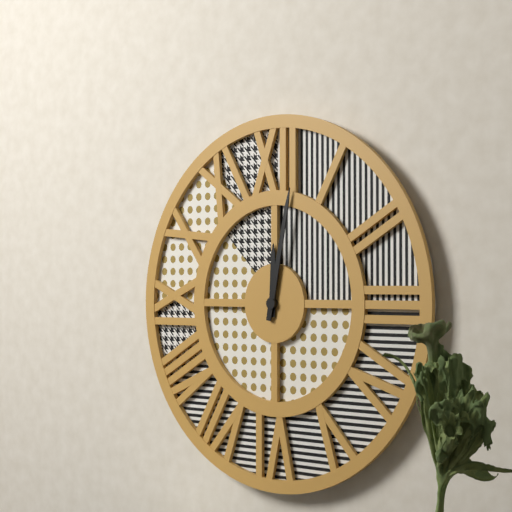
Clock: 12:02
